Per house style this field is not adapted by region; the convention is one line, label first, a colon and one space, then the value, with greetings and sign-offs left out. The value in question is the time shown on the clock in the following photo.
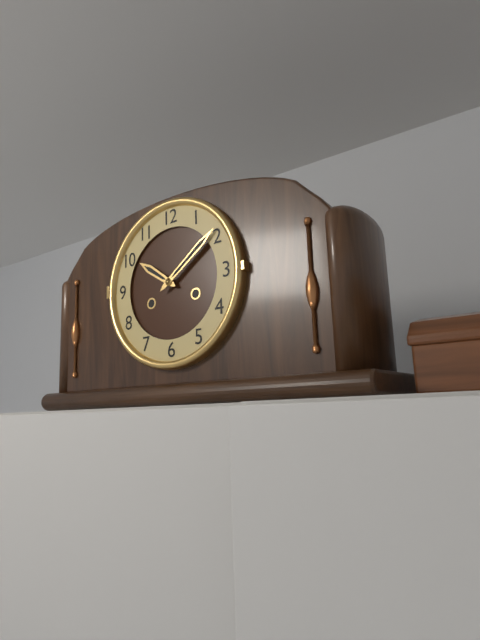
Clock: 10:09
